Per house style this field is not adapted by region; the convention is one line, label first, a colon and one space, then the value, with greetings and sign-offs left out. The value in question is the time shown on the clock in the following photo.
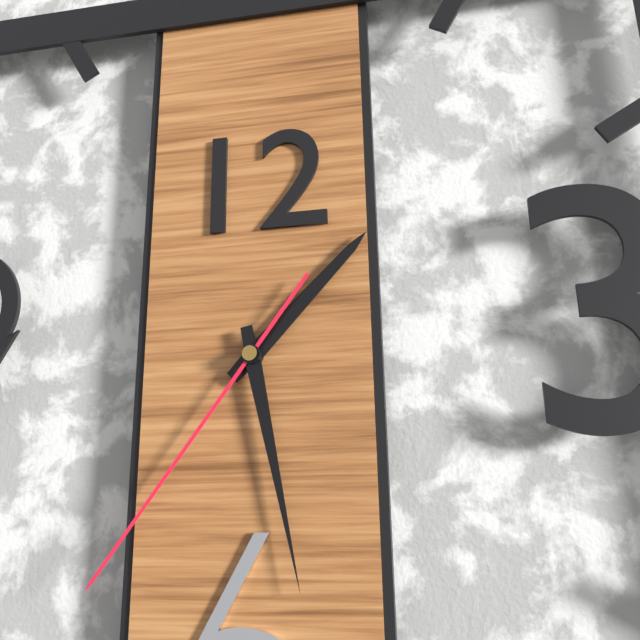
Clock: 1:28:36
